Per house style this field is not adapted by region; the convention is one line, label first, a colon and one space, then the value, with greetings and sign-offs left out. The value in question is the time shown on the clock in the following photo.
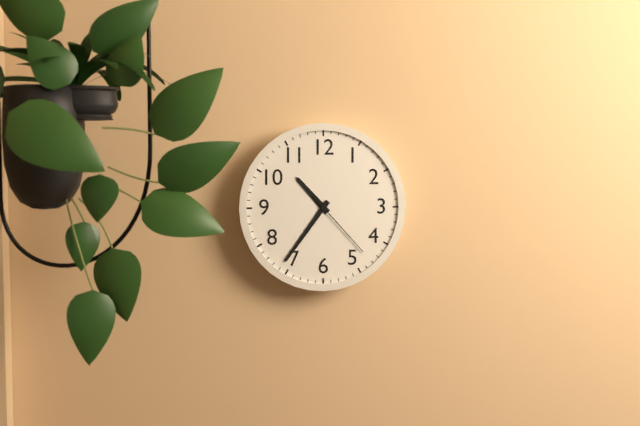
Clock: 10:36:23
